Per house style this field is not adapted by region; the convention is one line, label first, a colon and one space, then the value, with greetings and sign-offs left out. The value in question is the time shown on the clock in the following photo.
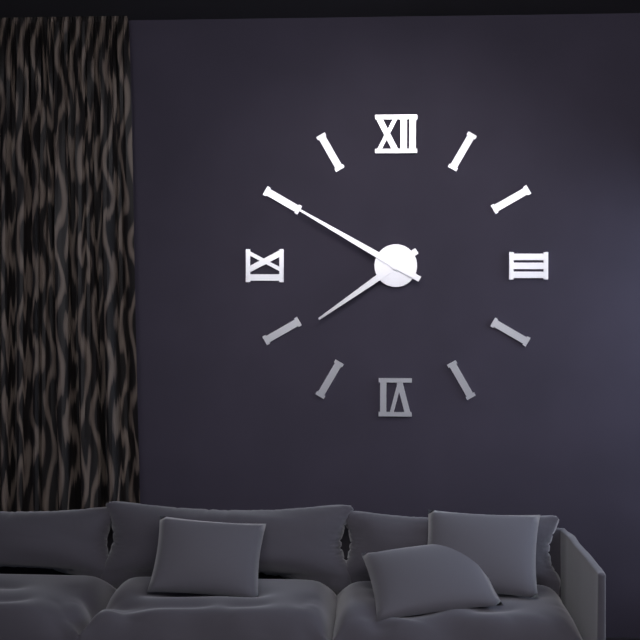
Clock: 7:50
